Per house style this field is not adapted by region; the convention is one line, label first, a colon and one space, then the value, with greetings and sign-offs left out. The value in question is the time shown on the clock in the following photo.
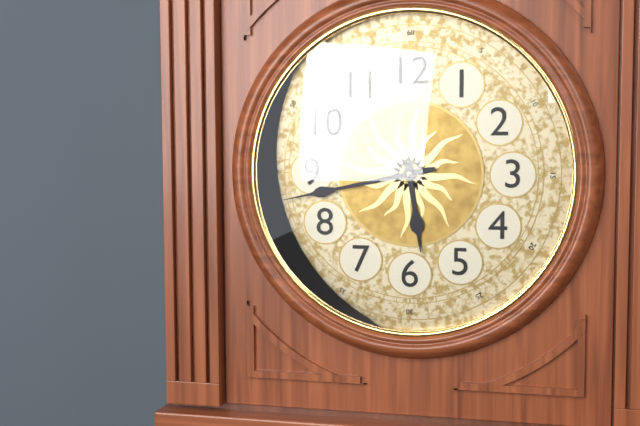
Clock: 5:43
